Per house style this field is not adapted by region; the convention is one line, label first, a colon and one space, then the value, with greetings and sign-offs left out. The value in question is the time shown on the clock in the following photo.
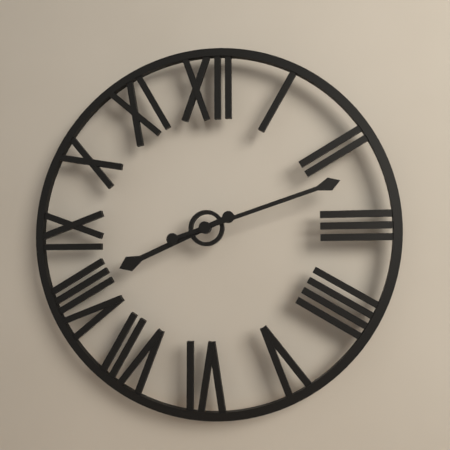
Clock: 8:12
